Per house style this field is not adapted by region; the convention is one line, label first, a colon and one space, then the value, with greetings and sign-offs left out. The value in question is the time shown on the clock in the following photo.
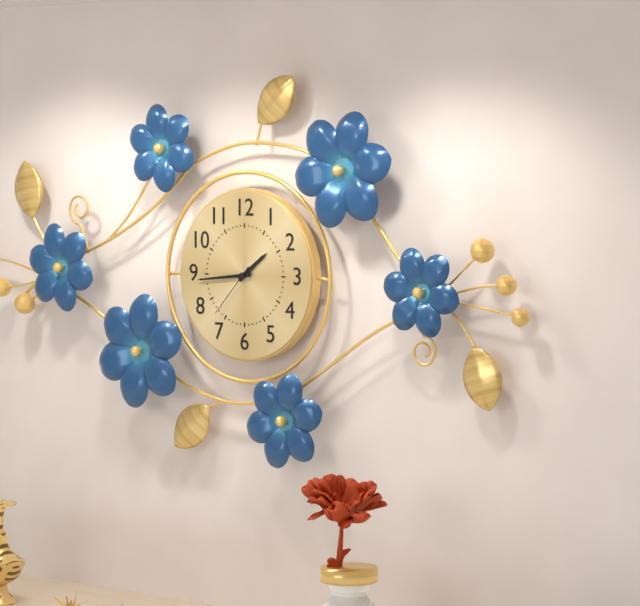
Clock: 1:44:37
